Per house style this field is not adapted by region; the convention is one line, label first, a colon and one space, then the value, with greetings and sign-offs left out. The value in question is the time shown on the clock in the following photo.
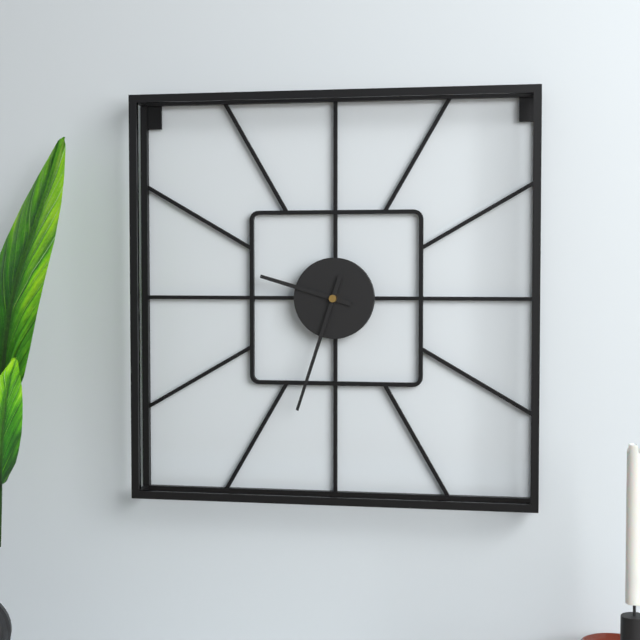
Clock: 9:33
